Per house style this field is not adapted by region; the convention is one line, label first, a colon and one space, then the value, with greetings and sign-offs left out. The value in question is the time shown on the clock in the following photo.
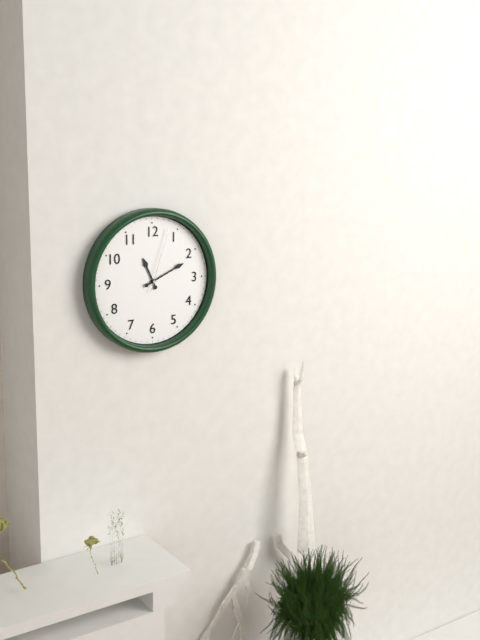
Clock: 11:11:03
